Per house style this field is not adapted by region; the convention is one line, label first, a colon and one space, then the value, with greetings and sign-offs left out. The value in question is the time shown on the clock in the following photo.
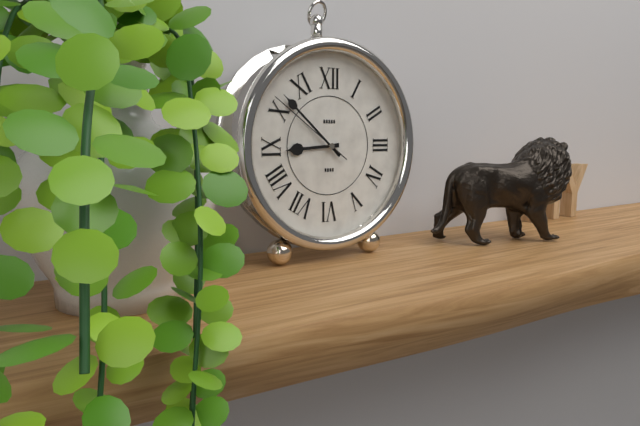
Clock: 8:52:51
